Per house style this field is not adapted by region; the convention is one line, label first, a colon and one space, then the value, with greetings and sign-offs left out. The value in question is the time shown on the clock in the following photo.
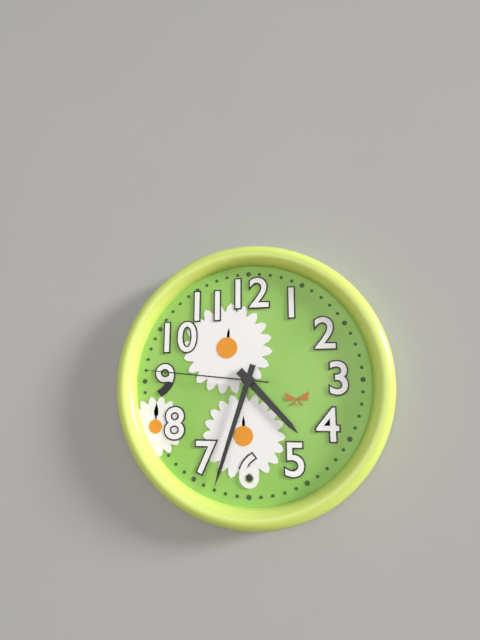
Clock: 4:33:46
